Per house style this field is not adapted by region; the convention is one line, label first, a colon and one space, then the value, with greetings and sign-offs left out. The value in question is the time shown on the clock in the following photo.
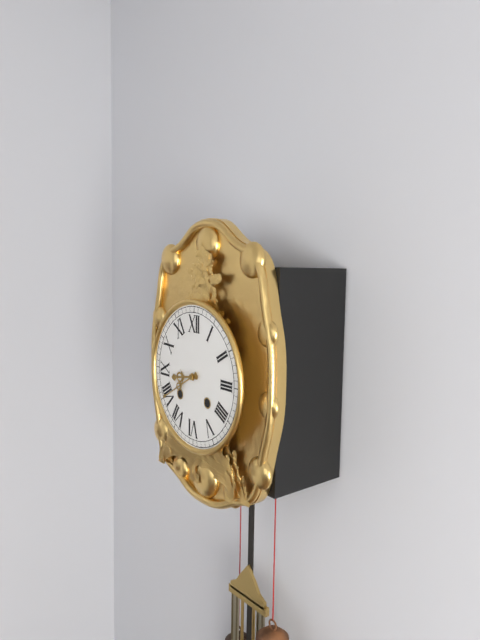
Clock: 8:40
